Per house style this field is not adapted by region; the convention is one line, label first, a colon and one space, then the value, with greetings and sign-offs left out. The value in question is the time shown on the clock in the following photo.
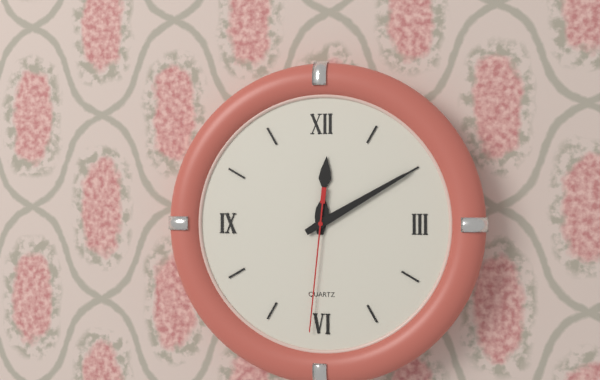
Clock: 12:10:31
